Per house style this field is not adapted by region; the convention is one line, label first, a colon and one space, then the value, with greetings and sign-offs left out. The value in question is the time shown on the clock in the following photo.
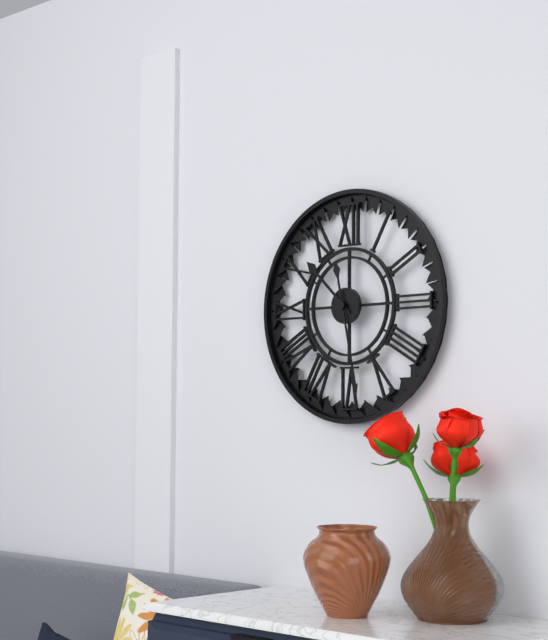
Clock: 10:28
